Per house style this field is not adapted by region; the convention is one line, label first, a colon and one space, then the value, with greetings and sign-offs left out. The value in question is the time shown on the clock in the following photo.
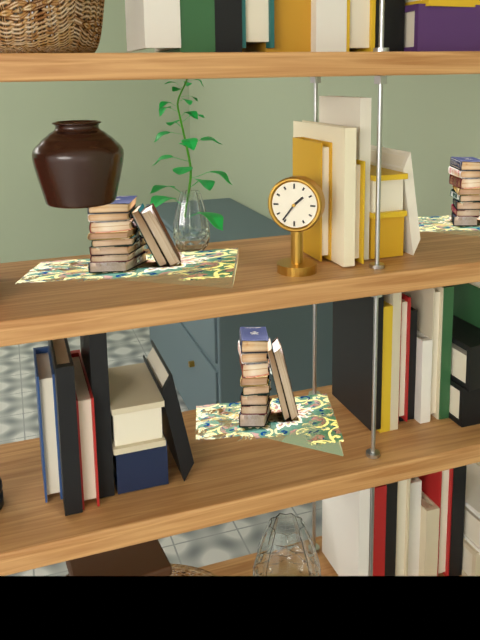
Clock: 1:36
